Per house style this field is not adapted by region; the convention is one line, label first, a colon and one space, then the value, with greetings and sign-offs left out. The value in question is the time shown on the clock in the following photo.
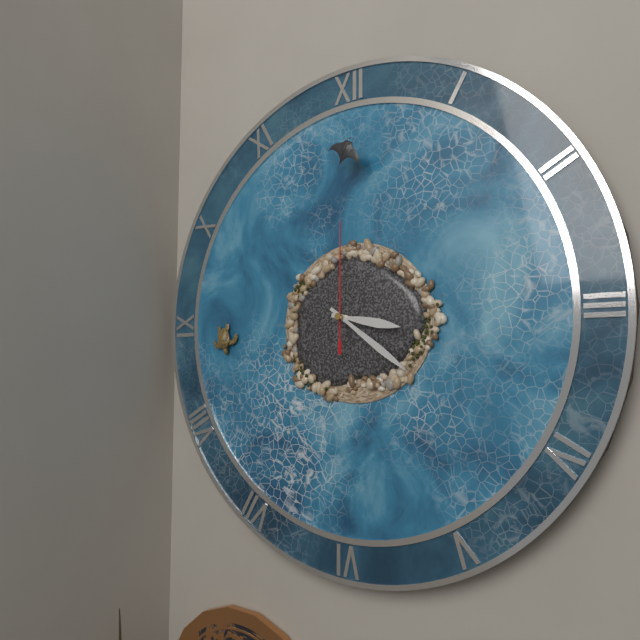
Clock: 3:21:00
